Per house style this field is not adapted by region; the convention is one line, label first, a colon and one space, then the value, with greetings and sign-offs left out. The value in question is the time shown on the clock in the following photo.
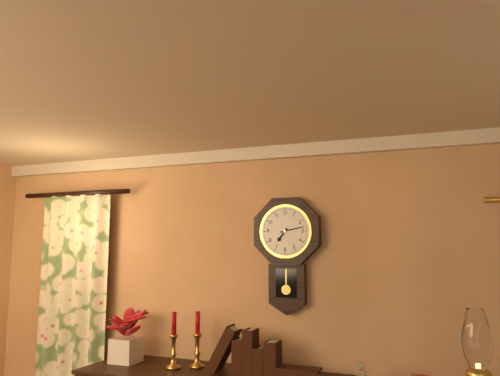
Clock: 7:13
